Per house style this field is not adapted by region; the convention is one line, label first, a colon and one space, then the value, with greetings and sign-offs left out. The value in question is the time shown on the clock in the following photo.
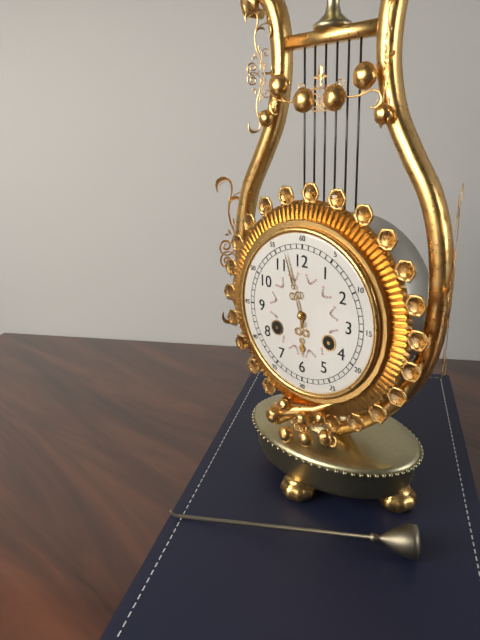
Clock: 5:57
